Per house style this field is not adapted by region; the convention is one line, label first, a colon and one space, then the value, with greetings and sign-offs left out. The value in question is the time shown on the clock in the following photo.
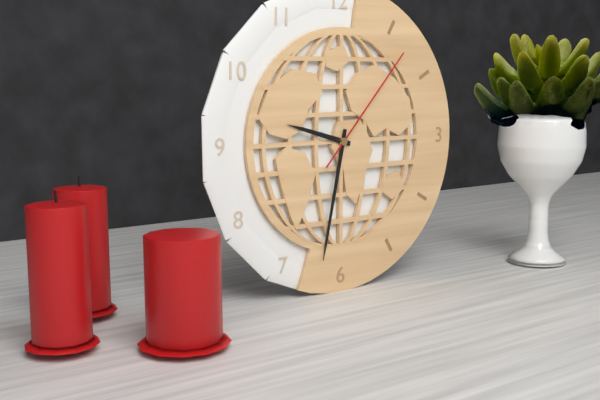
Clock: 9:32:07
